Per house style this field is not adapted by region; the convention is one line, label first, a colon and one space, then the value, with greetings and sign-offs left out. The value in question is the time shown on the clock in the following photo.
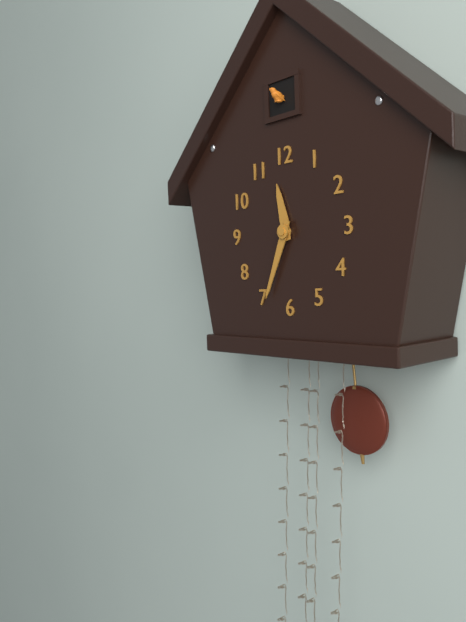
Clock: 11:34
